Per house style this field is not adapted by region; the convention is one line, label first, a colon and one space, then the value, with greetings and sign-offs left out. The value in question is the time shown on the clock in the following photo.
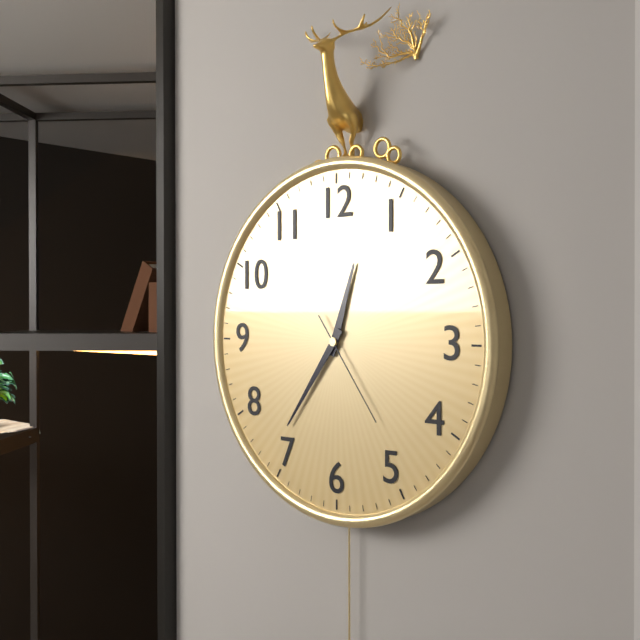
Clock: 12:36:24
